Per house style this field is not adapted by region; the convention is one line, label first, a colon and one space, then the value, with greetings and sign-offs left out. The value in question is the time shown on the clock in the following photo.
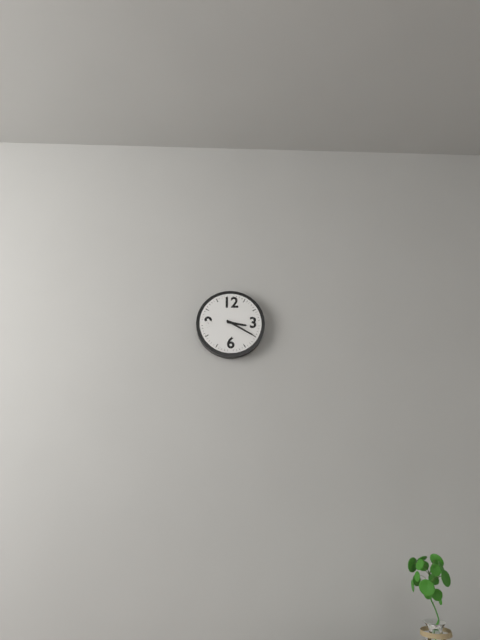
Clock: 3:20
